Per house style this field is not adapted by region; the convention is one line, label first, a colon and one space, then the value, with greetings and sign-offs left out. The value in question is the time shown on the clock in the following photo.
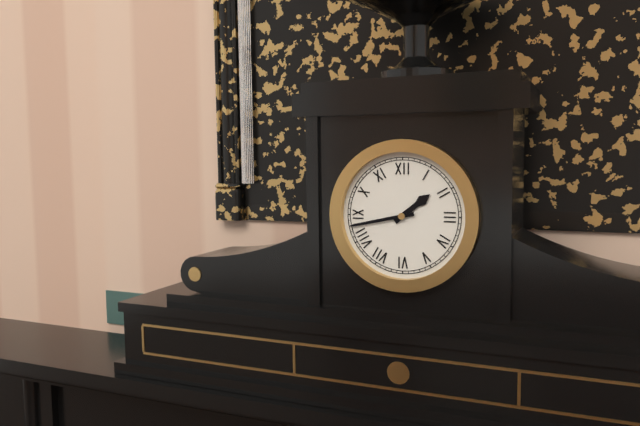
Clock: 1:43
